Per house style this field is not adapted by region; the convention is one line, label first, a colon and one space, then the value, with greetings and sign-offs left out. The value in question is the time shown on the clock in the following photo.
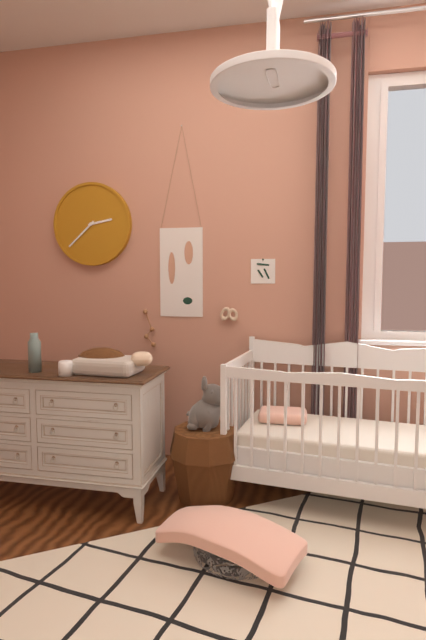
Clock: 2:38
